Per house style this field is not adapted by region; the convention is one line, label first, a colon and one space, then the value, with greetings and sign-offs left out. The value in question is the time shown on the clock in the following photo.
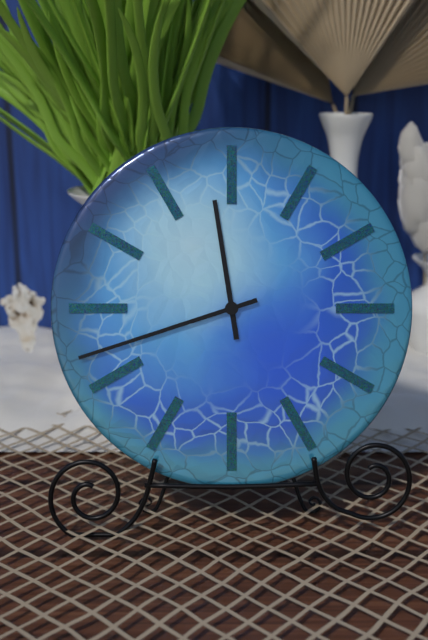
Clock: 11:42
